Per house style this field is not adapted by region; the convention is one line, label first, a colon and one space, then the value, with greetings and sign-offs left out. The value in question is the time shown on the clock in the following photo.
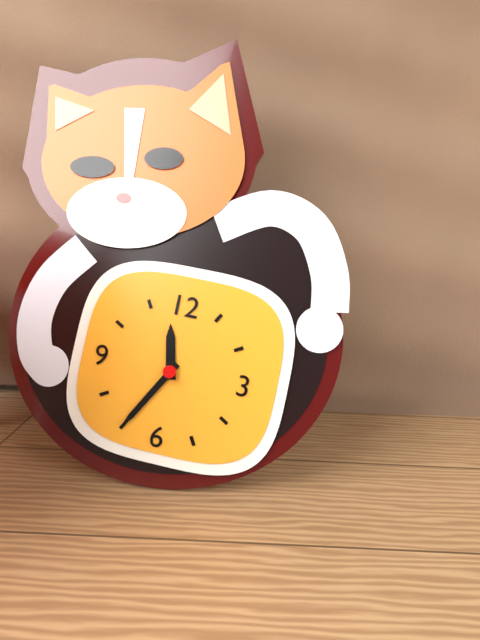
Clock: 11:35
